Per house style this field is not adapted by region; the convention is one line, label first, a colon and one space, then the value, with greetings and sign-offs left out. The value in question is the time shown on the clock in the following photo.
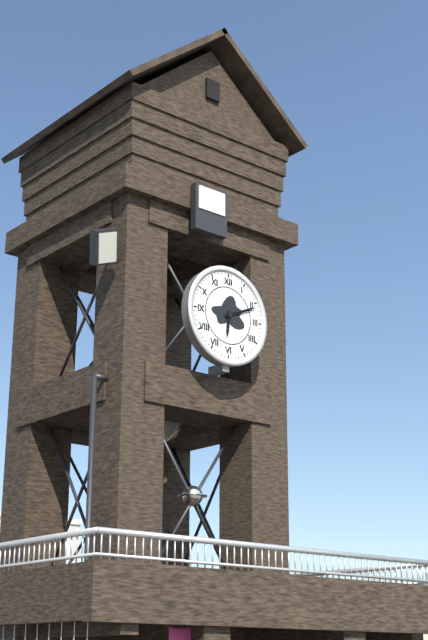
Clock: 6:11
